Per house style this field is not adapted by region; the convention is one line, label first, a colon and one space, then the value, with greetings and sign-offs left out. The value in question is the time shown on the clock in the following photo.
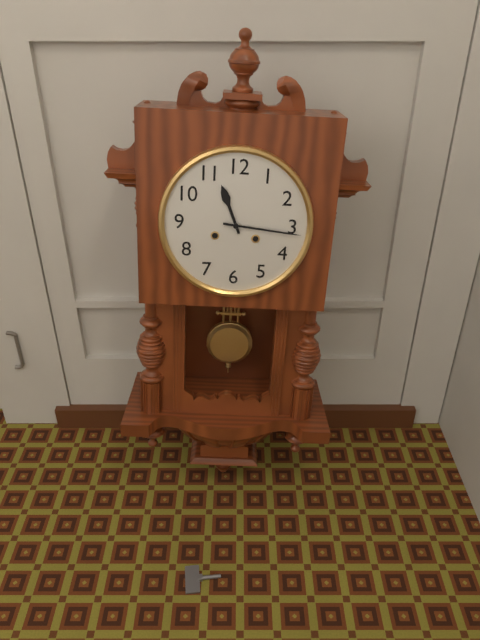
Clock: 11:16
